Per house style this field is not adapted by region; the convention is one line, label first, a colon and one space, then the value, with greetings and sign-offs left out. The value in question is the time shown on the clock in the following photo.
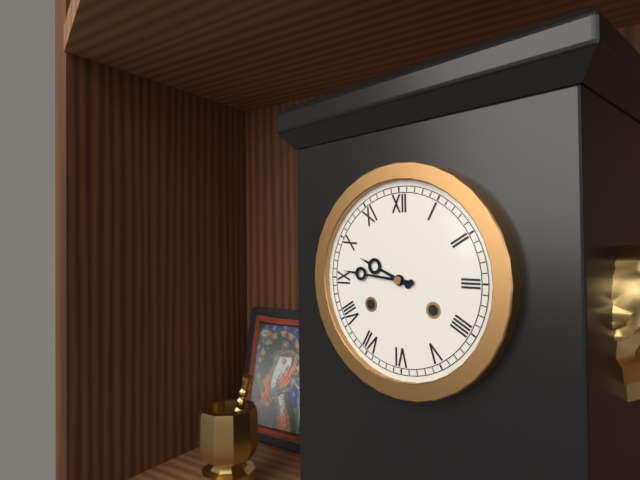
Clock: 9:46
